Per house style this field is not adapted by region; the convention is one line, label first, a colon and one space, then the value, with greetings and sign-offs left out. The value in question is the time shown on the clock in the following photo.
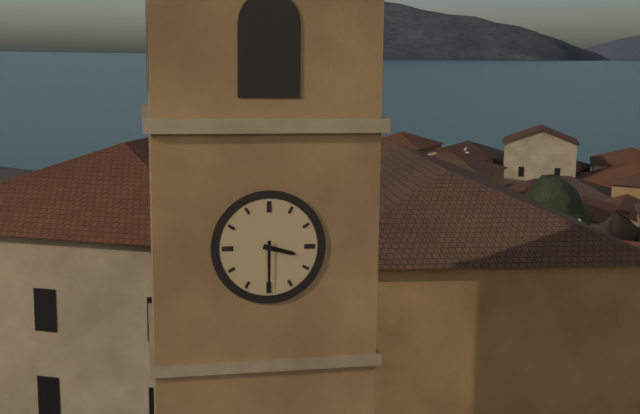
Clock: 3:30
